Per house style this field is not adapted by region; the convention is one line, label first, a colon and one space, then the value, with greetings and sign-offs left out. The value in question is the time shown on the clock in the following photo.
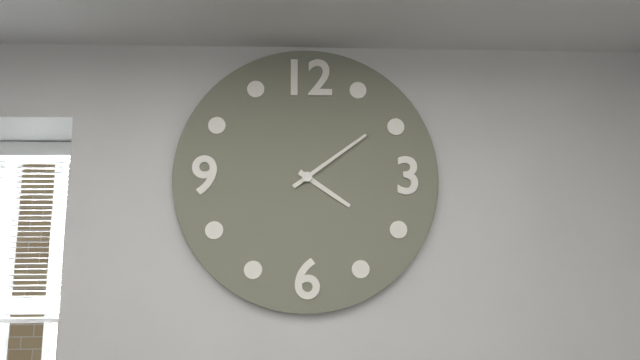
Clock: 4:09
